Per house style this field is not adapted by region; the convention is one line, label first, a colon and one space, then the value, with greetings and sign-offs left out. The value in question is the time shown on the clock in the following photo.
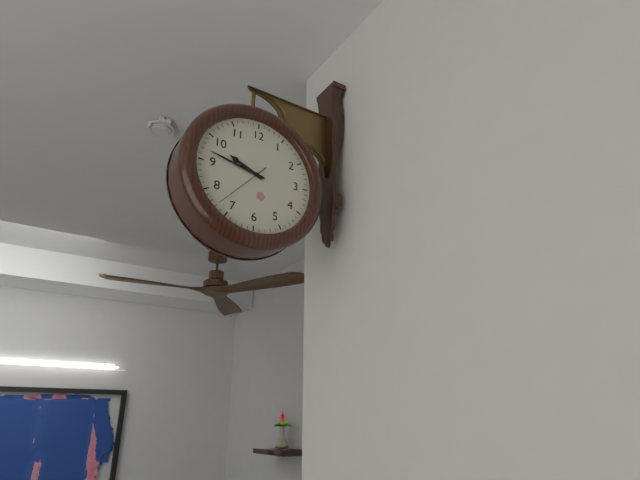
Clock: 9:47:37
